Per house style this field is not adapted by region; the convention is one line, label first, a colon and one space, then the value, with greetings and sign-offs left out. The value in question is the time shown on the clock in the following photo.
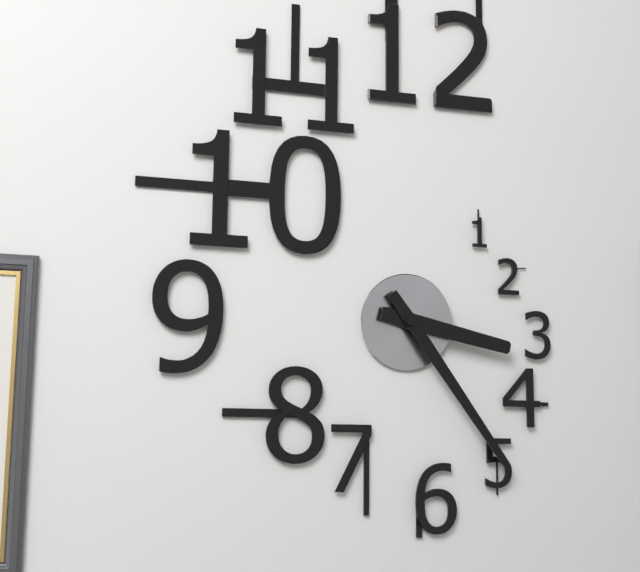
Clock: 3:24
